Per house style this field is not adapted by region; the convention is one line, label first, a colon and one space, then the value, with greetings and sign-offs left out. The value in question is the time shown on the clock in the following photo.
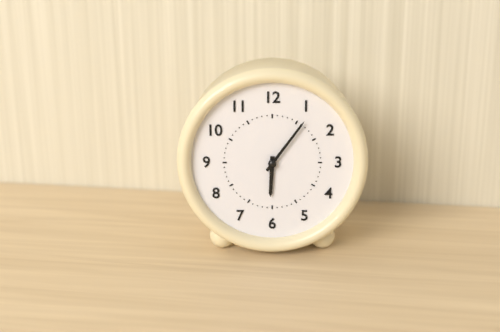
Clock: 6:06
